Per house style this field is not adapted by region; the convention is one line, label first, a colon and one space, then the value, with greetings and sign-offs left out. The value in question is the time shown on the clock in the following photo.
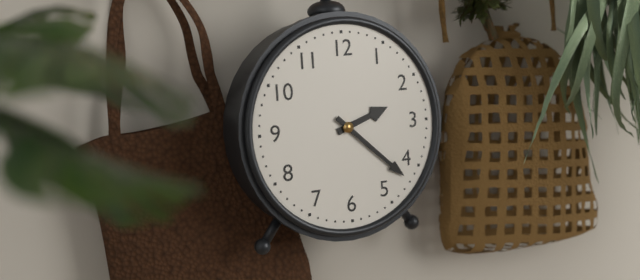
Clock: 2:22
